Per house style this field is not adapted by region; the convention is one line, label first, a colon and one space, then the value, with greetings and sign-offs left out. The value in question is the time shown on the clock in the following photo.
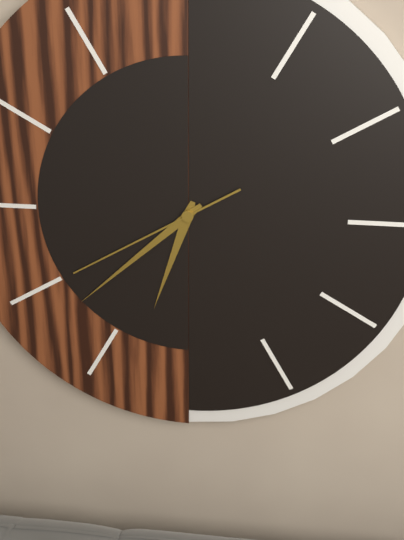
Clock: 6:38:40
